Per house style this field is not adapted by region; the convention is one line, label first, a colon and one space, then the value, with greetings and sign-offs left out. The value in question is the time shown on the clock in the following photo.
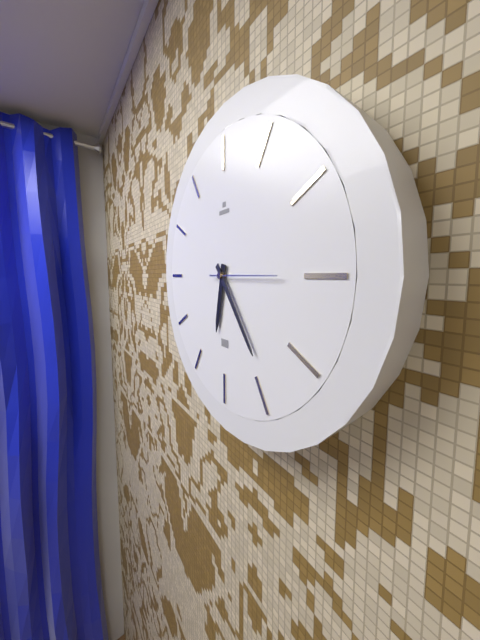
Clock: 6:24:15
